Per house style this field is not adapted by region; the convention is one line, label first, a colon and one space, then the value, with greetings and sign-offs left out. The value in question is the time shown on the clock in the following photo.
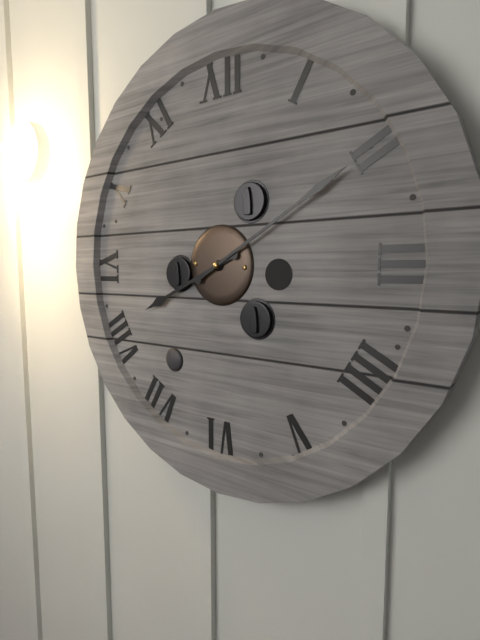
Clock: 8:10
